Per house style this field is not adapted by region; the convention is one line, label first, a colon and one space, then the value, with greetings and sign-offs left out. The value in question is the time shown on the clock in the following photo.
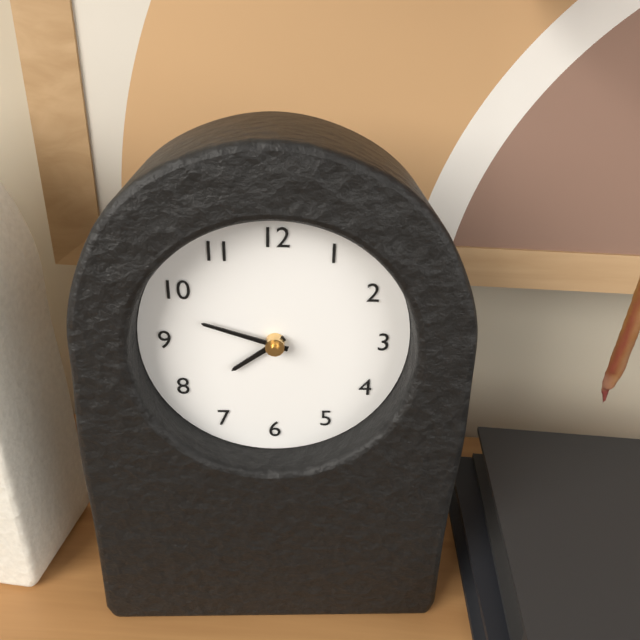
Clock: 7:48
